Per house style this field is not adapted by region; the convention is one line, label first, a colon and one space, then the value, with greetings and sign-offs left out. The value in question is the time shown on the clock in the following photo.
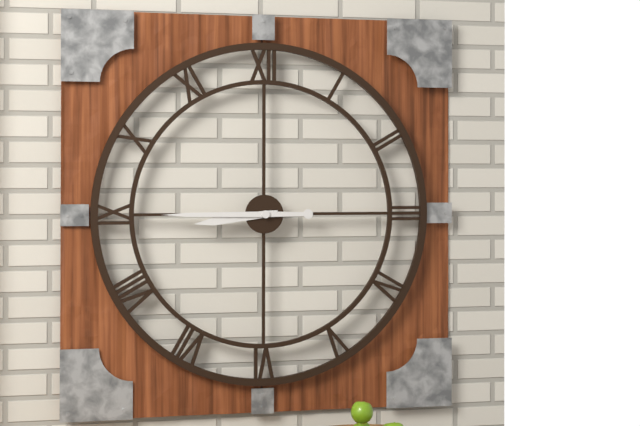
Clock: 8:45
